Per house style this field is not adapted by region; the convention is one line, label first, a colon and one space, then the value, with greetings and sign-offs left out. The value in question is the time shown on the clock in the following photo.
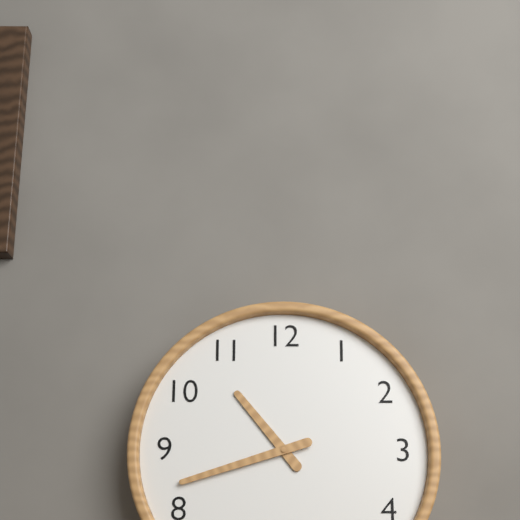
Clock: 10:42
